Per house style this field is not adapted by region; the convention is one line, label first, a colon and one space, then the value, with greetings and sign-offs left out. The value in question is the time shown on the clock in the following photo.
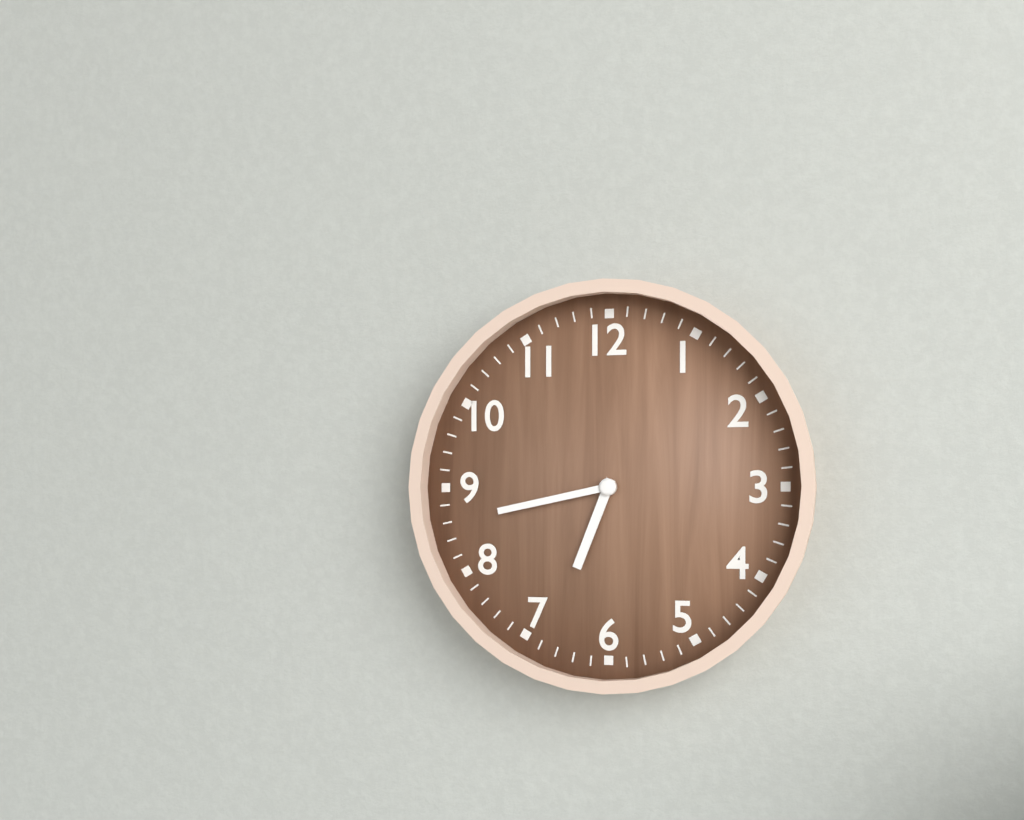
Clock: 6:43
